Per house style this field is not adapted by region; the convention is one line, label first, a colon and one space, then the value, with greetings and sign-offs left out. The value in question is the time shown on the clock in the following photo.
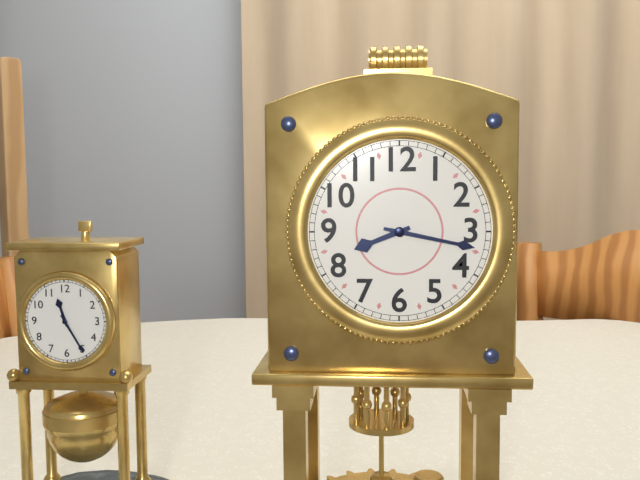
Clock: 8:17
